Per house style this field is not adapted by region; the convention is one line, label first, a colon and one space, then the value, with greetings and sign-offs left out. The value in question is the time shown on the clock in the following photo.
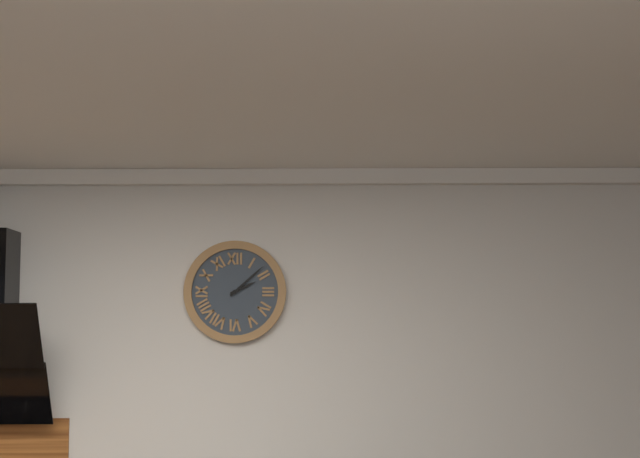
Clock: 2:08
